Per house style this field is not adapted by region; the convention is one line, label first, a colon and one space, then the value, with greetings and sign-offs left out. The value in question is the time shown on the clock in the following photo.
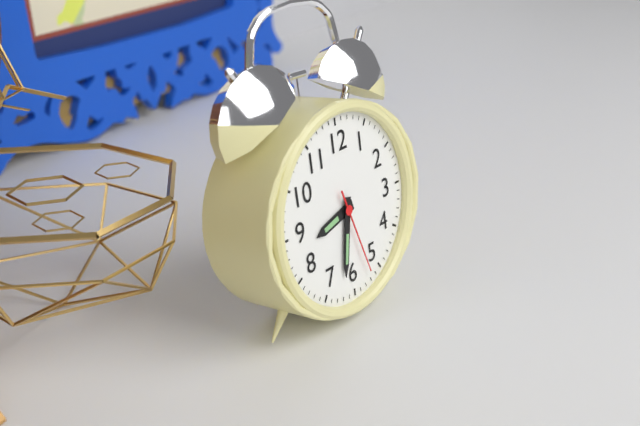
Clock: 8:32:27
